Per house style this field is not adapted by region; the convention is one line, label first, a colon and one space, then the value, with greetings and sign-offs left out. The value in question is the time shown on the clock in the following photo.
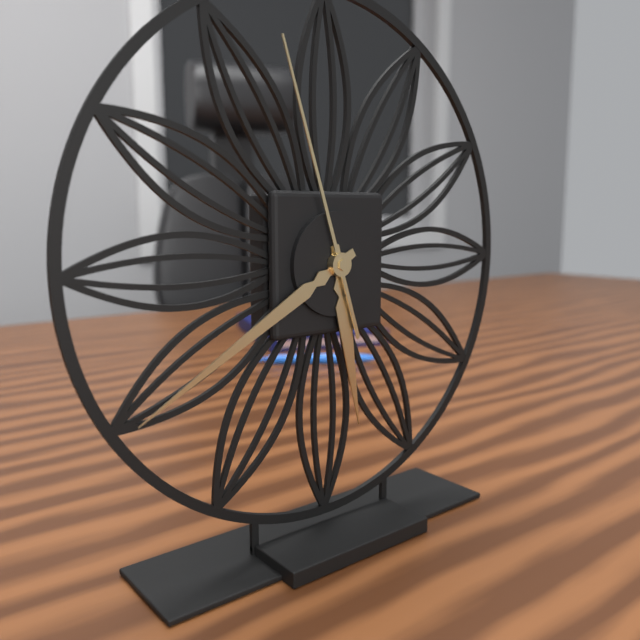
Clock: 5:40:57
